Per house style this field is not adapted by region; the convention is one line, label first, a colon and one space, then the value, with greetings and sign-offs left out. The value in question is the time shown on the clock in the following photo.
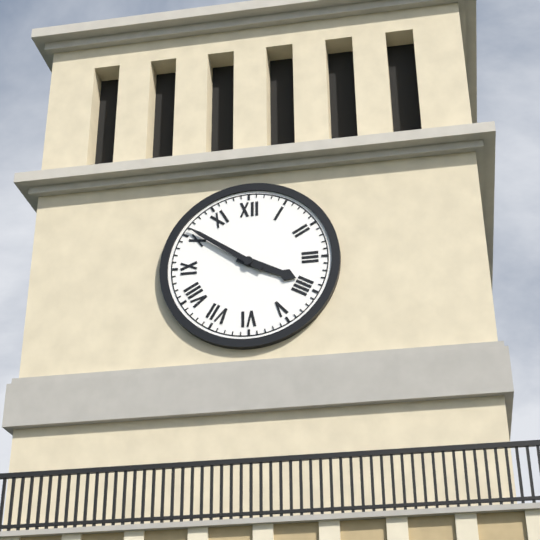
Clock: 3:51
